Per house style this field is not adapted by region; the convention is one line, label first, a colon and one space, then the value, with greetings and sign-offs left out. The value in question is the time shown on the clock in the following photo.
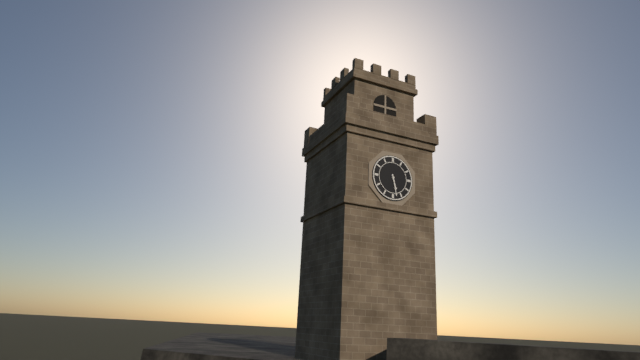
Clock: 5:28
